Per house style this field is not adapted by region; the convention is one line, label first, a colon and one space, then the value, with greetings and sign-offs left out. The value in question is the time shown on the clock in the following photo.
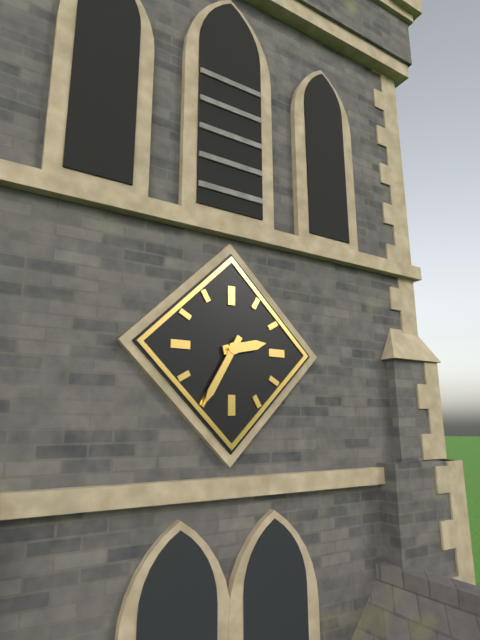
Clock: 2:35
